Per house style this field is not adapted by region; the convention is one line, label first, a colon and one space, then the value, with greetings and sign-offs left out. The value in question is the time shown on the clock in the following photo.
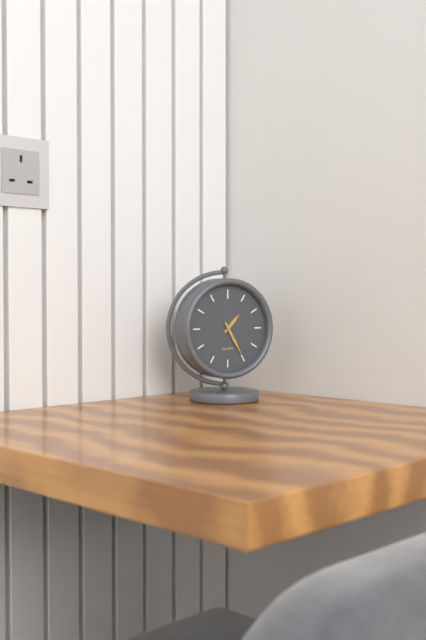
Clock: 1:25
